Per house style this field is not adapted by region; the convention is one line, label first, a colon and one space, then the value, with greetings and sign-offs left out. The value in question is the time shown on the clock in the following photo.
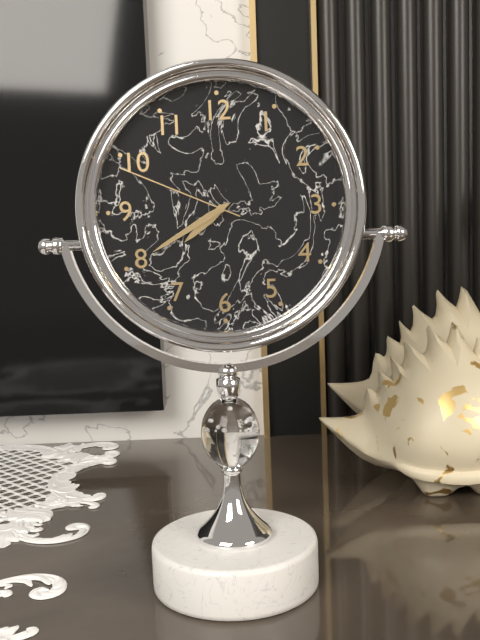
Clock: 7:40:49
